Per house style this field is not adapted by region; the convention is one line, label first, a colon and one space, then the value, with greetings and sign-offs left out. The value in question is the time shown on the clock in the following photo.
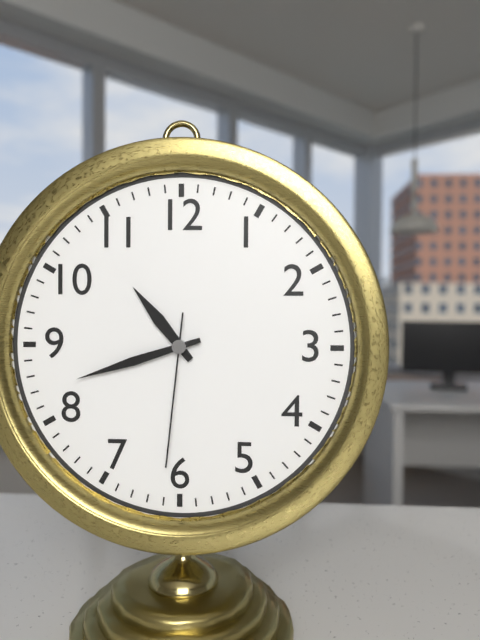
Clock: 10:42:31
